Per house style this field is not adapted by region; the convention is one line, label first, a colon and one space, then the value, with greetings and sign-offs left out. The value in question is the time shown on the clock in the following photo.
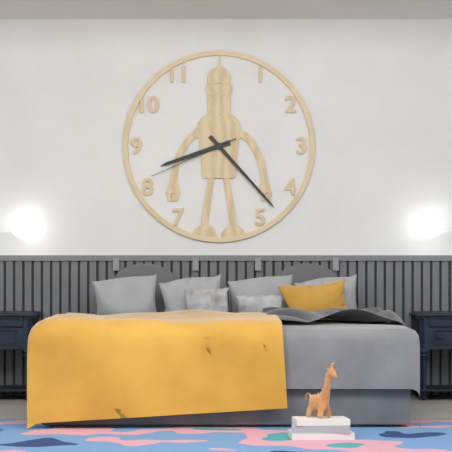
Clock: 8:23:41
